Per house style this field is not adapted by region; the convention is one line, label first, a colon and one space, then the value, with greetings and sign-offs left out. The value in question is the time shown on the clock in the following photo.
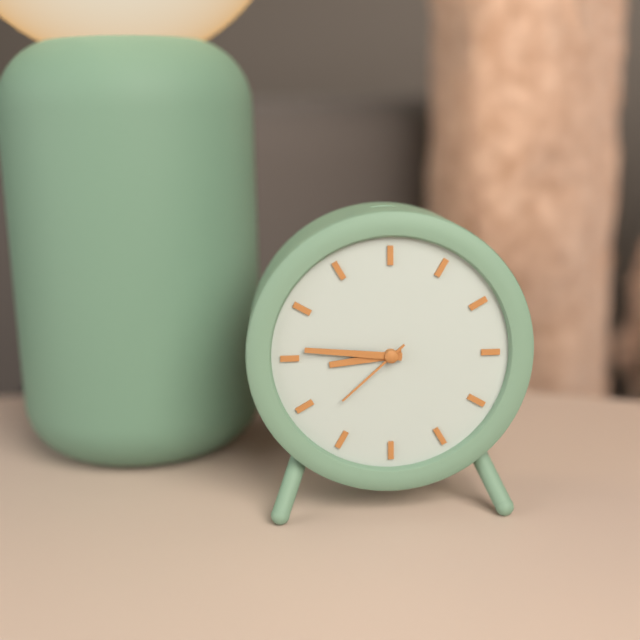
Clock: 8:46:38
